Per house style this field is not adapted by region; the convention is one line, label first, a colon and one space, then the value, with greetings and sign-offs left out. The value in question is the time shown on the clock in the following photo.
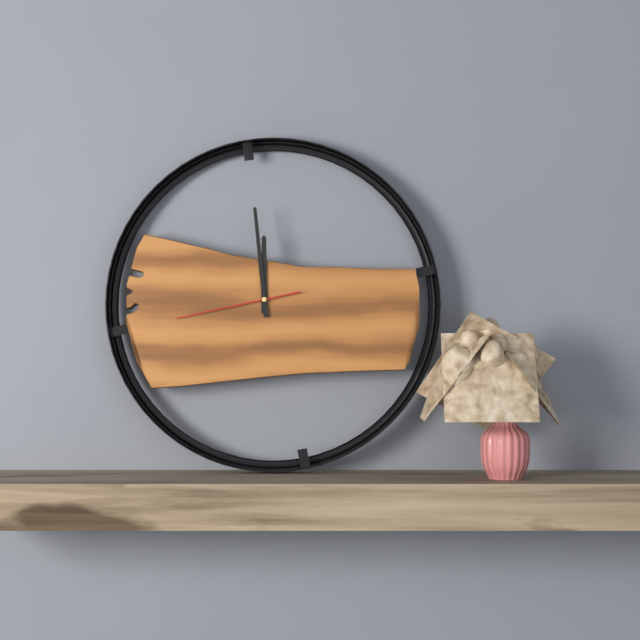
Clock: 11:59:43
